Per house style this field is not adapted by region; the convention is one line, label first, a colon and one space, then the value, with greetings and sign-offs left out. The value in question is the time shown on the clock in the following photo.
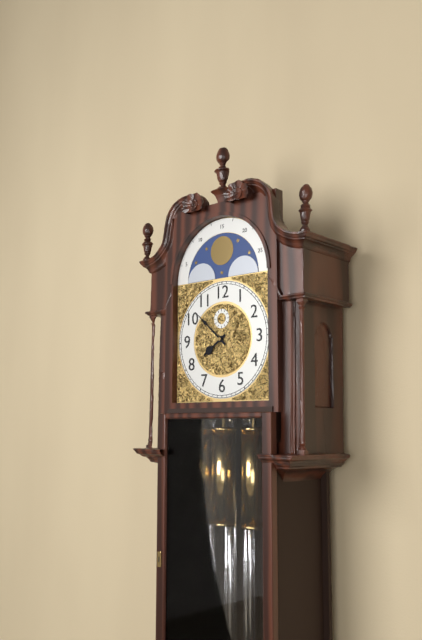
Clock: 7:52
